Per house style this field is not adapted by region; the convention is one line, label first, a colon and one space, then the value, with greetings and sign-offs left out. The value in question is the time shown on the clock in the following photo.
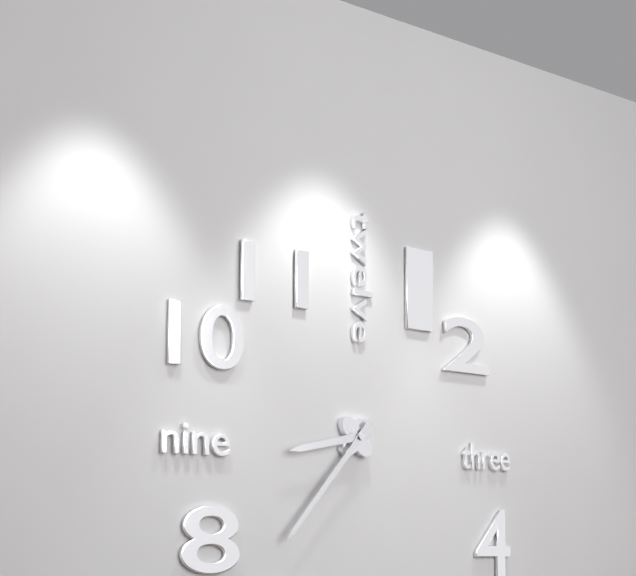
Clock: 8:37
